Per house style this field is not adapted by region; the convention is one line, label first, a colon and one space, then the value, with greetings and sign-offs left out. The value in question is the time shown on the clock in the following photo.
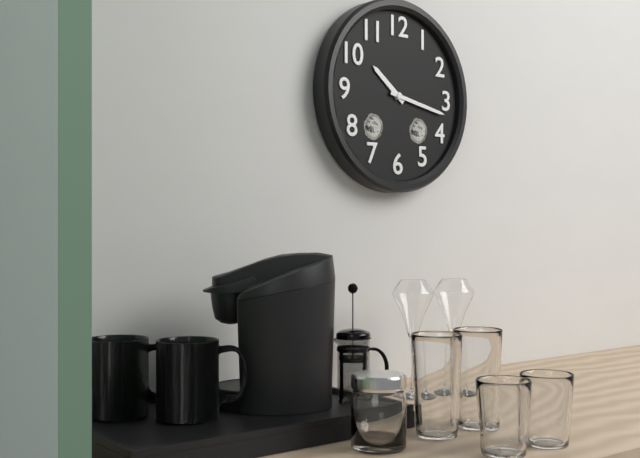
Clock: 10:17
